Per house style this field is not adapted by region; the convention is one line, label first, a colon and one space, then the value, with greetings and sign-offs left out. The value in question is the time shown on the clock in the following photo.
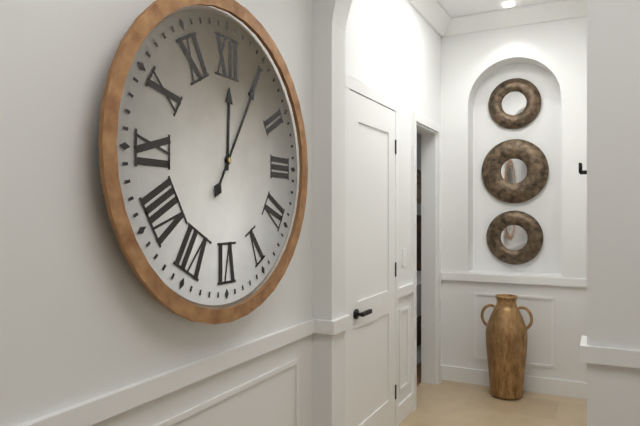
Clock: 12:05
